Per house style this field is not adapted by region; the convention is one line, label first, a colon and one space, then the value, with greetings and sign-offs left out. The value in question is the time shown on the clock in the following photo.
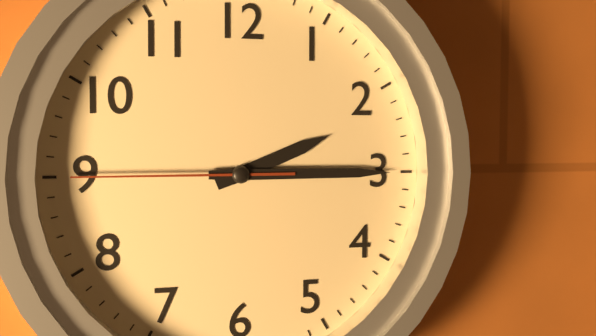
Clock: 2:15:45
